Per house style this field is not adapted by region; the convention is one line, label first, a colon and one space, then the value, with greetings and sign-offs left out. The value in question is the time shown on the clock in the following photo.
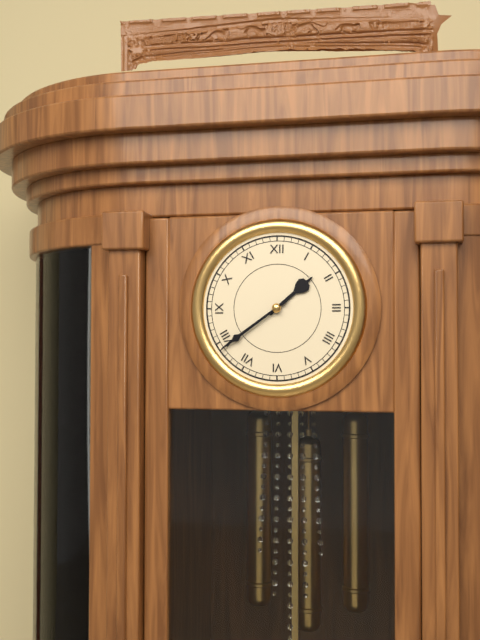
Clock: 1:39
